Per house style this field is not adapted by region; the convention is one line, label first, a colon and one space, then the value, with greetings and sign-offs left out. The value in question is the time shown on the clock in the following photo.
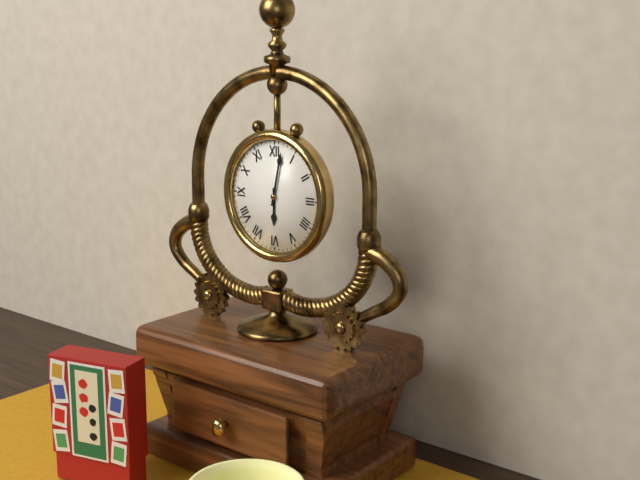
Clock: 6:02
